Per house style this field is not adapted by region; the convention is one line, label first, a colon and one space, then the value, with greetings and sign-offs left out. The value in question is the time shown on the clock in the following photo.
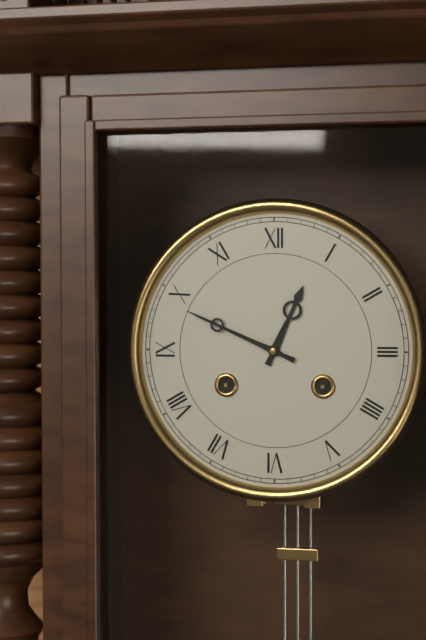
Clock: 12:49
